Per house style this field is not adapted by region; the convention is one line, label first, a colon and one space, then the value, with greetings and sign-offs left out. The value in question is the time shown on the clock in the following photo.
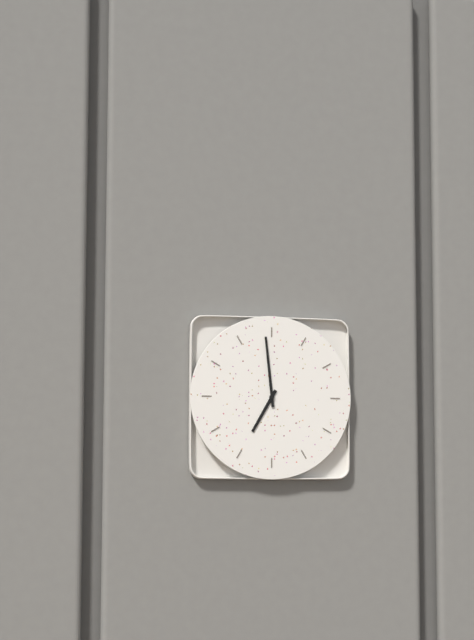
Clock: 6:59
